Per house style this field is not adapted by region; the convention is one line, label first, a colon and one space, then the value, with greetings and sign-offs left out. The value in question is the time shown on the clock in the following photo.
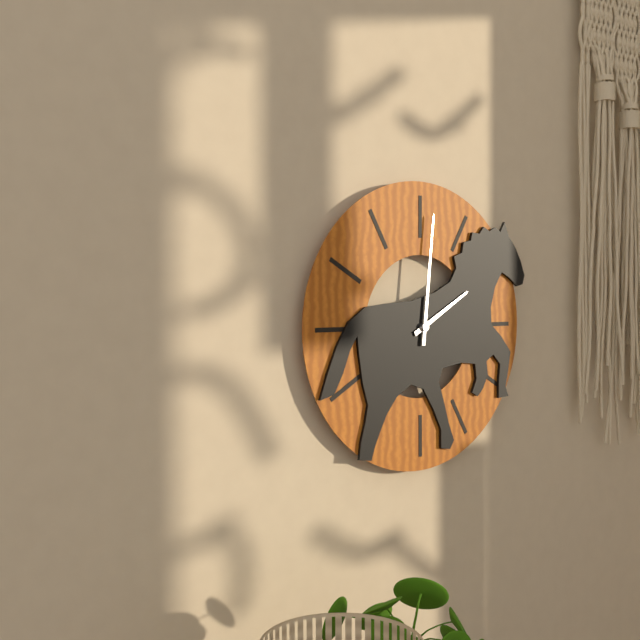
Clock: 2:01
